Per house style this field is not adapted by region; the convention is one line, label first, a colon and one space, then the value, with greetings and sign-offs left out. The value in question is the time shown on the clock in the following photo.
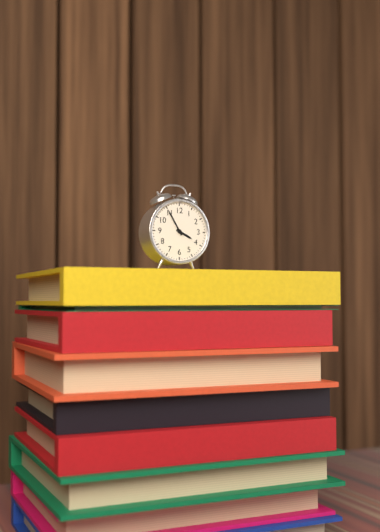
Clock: 3:55
